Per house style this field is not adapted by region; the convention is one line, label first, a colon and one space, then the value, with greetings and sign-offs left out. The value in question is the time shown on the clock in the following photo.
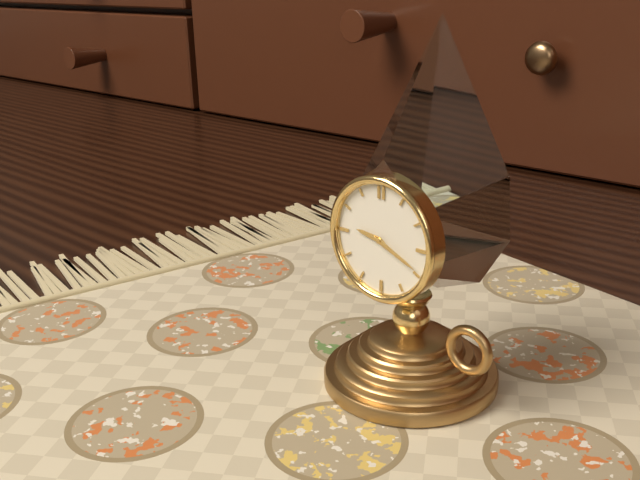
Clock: 9:19
